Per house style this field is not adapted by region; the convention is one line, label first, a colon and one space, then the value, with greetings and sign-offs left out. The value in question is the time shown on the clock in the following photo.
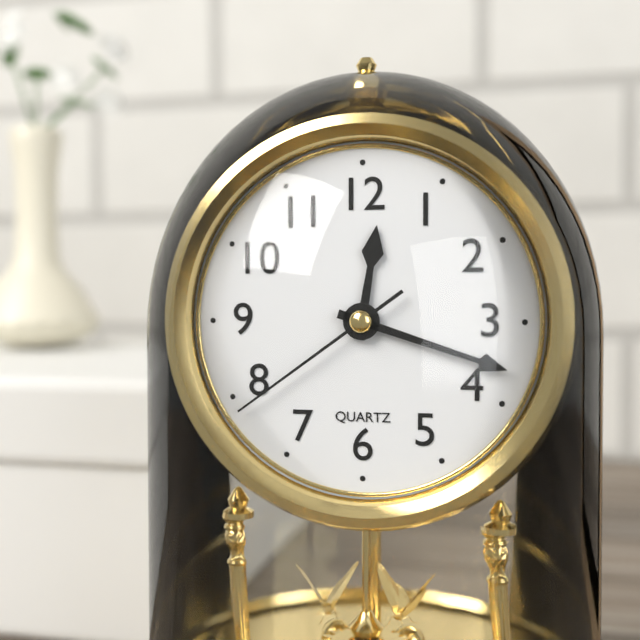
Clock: 12:18:39
